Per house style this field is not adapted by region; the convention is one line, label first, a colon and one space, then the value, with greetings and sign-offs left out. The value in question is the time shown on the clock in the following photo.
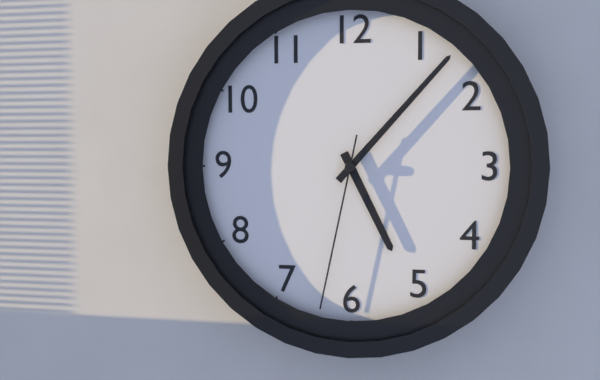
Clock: 5:07:32
